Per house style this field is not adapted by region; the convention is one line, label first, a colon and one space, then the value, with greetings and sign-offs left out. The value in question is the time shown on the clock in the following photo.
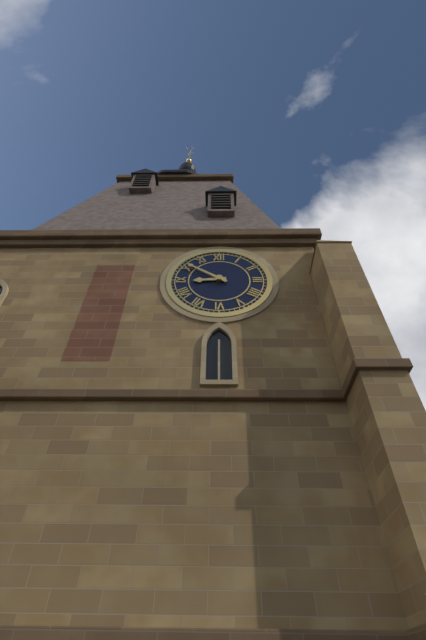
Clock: 8:51
